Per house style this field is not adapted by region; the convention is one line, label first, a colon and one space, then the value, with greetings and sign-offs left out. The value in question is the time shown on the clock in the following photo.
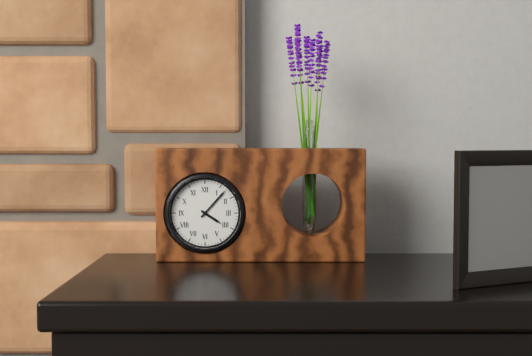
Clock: 4:07
